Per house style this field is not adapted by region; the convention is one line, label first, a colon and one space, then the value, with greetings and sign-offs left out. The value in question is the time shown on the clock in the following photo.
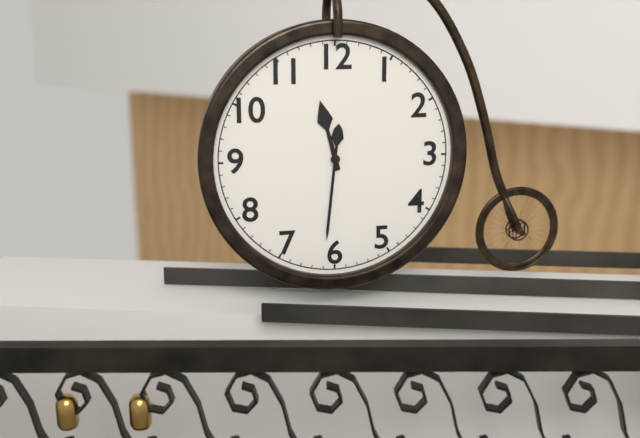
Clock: 11:31
